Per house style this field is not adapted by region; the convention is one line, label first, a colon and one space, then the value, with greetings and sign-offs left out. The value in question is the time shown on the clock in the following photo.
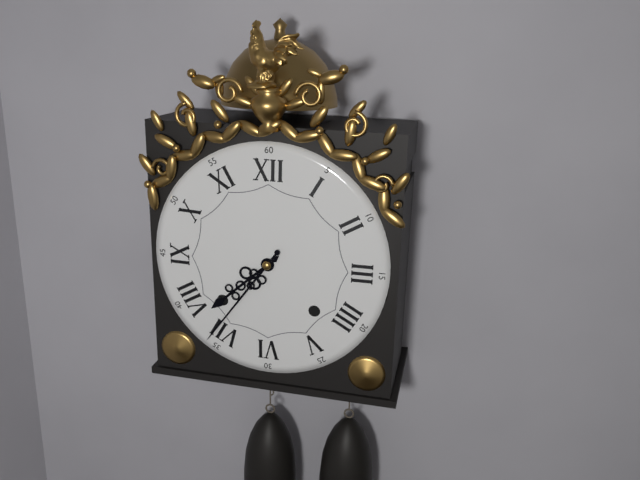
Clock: 7:36
